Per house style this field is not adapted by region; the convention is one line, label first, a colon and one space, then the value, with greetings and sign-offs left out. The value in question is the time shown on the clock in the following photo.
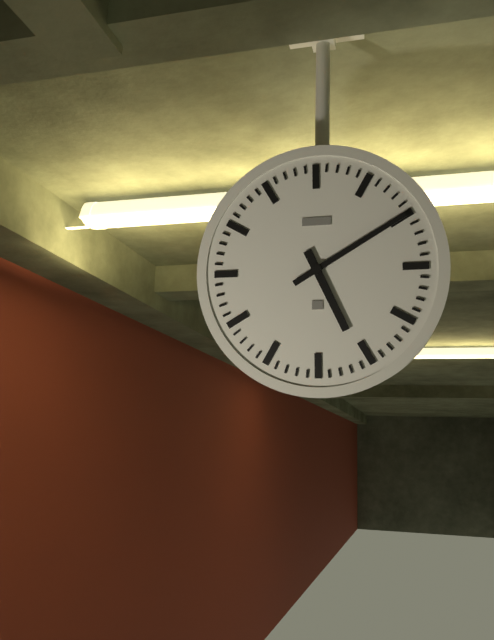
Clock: 5:10
